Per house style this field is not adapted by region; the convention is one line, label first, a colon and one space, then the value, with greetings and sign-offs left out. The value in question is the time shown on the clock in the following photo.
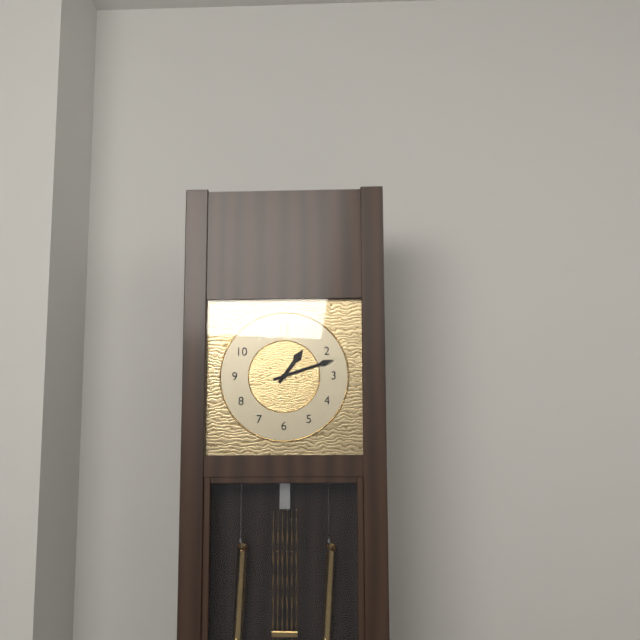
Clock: 1:12
